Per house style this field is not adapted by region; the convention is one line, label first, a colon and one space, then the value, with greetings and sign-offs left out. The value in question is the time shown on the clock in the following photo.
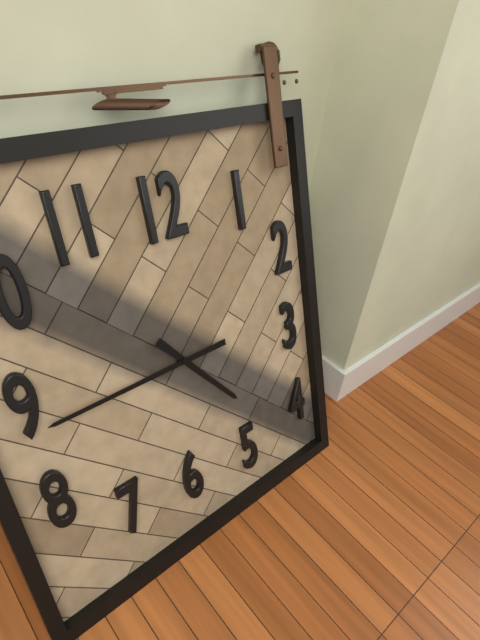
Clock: 4:45
